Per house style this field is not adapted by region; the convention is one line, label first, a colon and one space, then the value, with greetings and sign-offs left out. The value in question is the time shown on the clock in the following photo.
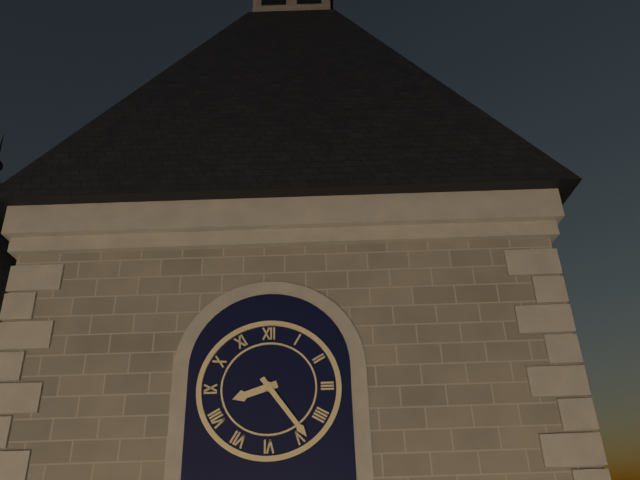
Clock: 8:24
